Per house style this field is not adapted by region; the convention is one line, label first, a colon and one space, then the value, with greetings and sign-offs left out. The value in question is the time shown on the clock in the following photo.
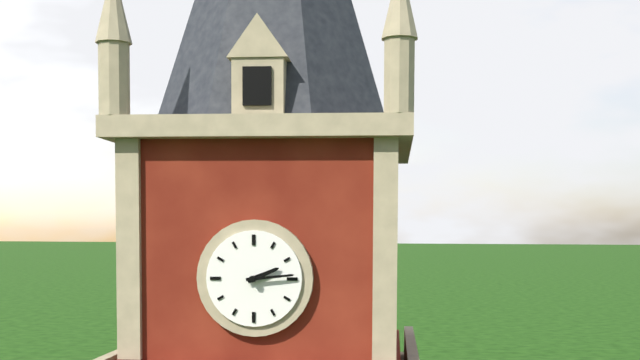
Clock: 2:14
